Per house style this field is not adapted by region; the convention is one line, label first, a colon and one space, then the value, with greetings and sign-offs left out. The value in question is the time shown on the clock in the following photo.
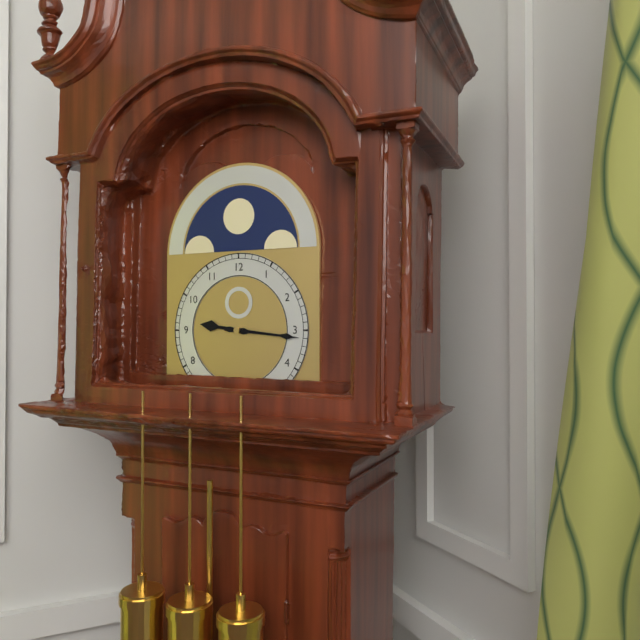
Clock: 9:16
